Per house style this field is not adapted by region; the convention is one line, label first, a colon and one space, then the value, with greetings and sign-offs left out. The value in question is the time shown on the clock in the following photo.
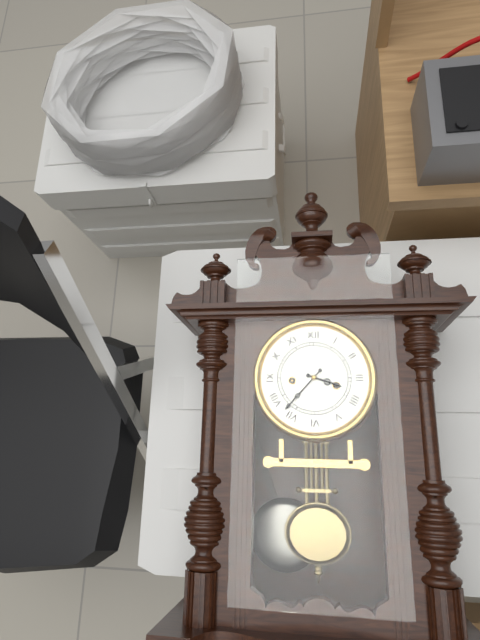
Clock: 3:37
